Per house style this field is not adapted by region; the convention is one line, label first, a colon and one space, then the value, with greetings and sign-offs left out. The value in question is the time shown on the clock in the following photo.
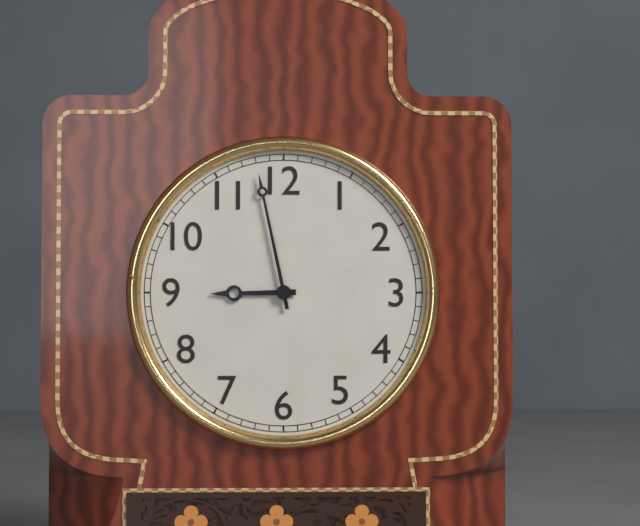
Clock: 8:58
